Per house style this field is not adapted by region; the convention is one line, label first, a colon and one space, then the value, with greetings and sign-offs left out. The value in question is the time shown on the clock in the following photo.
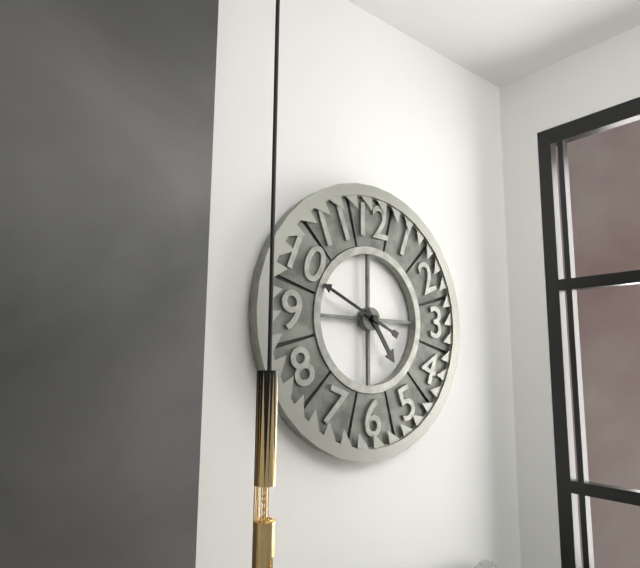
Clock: 4:49
